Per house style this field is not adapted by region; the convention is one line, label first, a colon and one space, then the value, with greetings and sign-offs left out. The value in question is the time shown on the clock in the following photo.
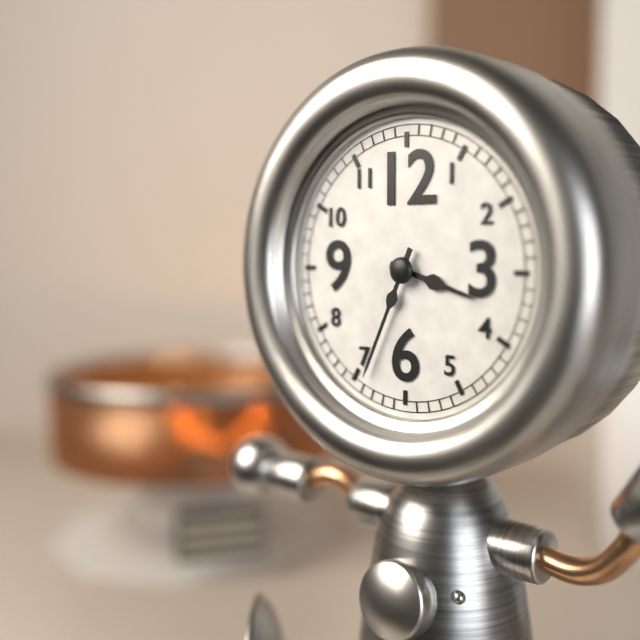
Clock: 3:34
